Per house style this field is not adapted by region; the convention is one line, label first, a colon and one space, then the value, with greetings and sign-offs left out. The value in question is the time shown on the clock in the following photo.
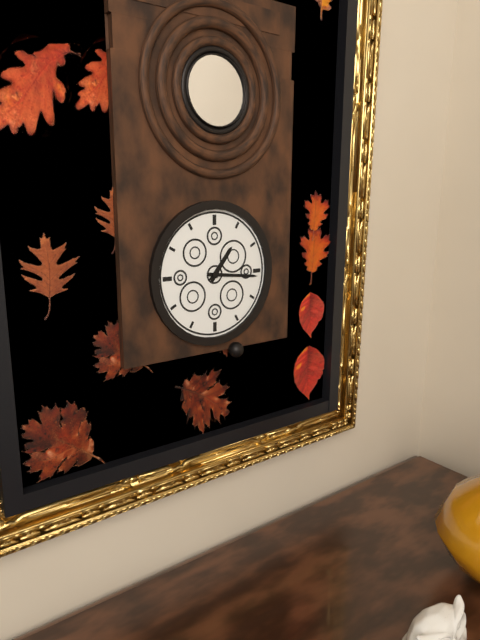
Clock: 1:16
